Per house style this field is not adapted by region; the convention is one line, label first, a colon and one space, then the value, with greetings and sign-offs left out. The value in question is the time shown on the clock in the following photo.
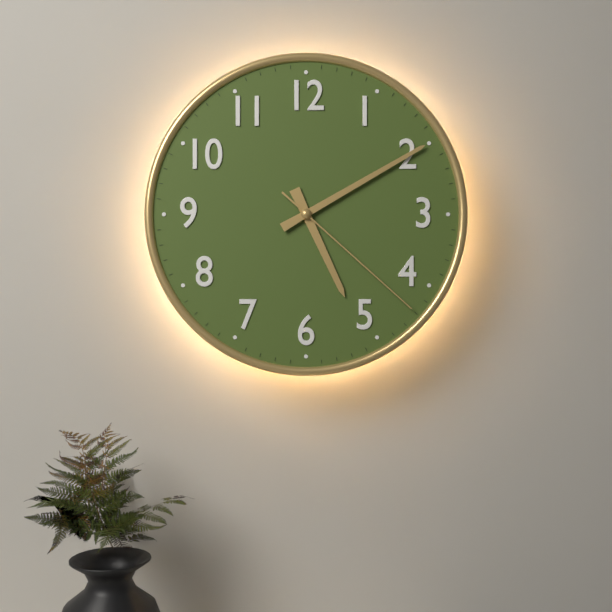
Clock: 5:10:22
